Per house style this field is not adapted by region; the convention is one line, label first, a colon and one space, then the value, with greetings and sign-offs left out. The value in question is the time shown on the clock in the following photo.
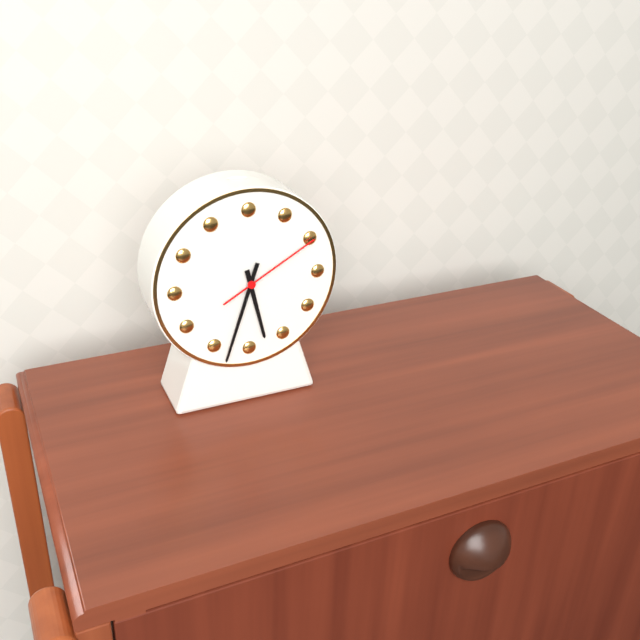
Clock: 5:33:10
